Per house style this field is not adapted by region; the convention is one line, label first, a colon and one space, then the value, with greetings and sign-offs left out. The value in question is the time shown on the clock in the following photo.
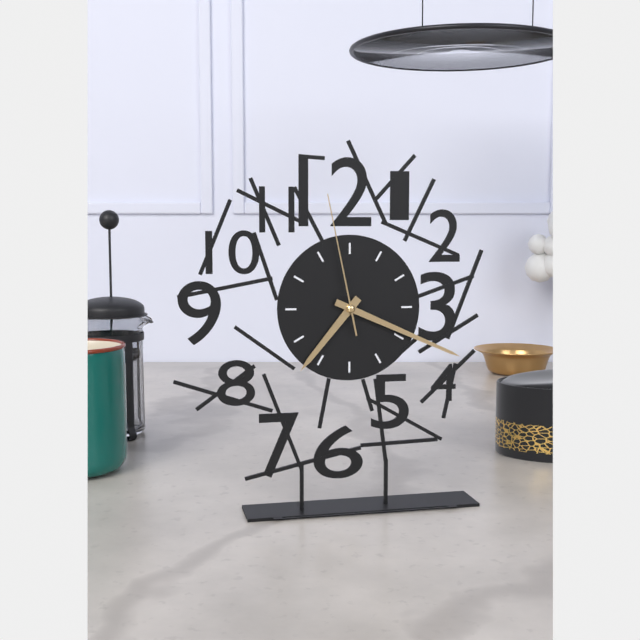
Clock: 7:19:58
